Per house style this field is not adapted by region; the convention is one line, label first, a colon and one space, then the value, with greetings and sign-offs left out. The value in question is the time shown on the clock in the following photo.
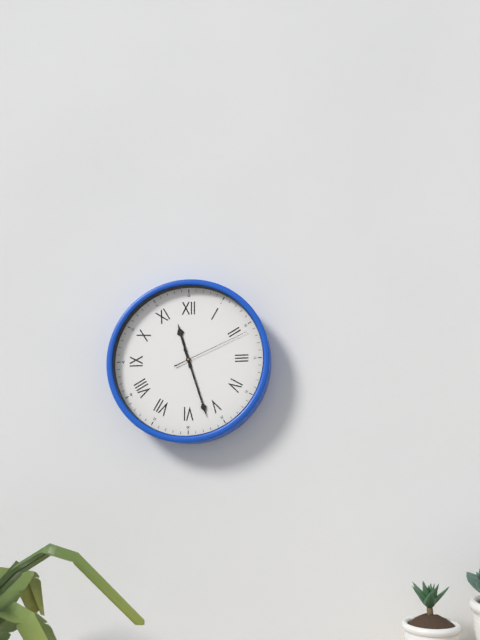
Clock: 11:27:11
